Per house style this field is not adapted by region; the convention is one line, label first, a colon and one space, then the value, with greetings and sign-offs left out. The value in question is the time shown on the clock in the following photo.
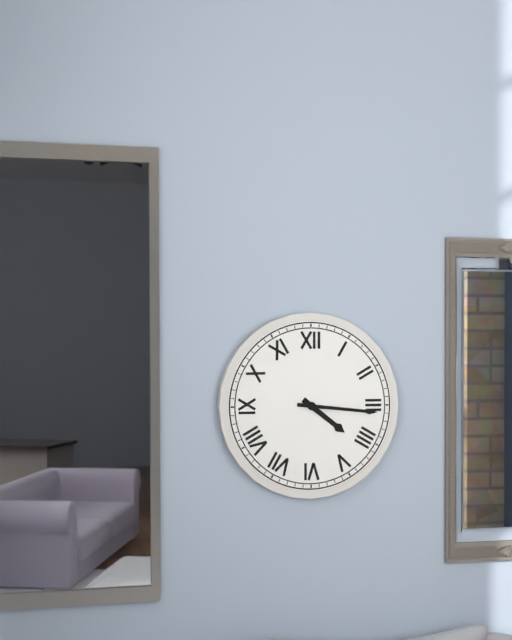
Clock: 4:16
